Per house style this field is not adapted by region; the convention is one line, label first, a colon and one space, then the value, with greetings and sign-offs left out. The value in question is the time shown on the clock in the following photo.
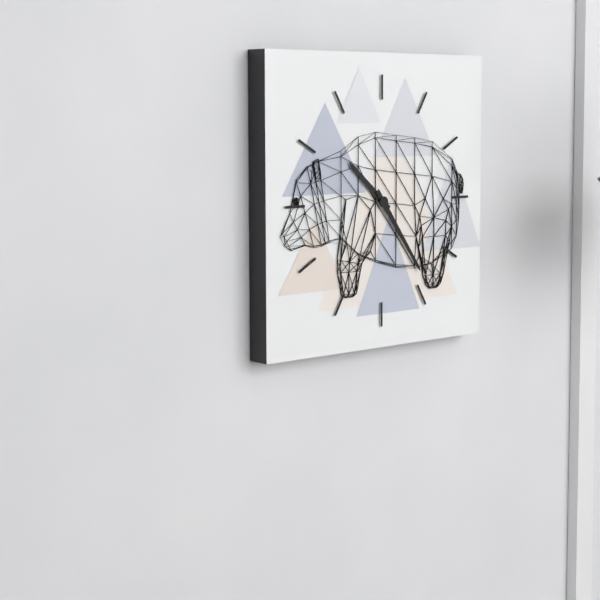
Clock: 10:24
